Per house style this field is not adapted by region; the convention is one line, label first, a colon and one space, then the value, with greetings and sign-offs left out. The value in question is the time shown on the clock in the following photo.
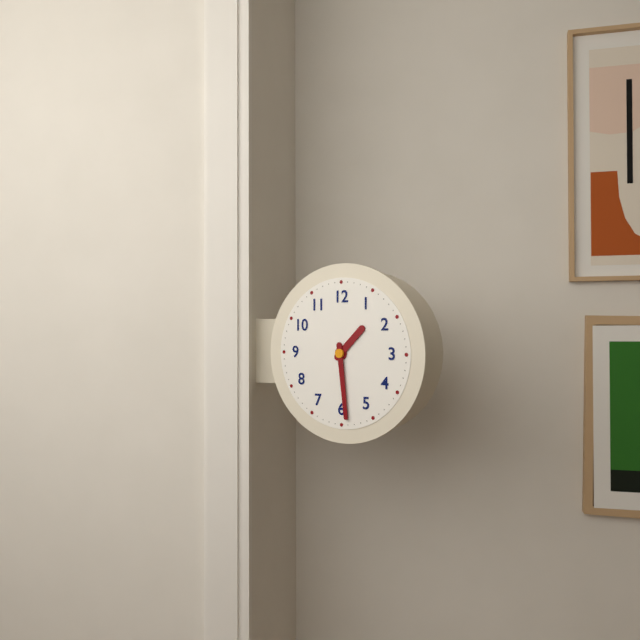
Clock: 1:29
